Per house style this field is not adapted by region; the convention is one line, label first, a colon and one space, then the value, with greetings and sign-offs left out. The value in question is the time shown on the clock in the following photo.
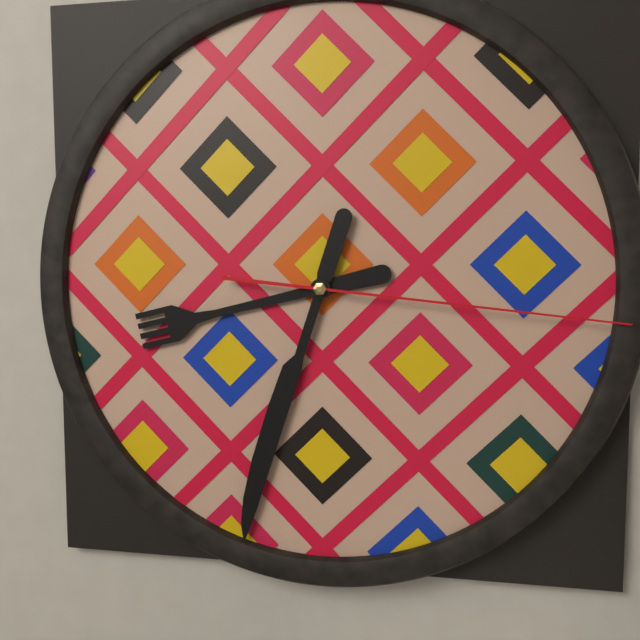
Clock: 8:33:16
